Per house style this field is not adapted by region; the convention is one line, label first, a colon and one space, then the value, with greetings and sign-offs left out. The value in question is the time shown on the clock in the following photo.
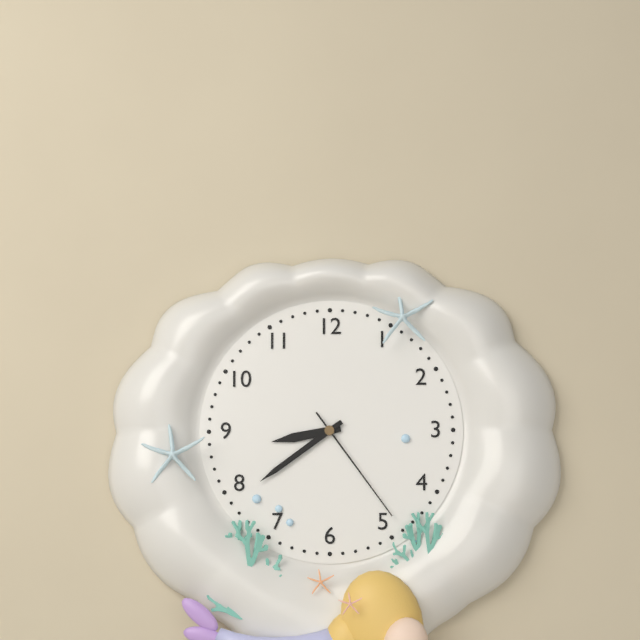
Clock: 8:39:24
